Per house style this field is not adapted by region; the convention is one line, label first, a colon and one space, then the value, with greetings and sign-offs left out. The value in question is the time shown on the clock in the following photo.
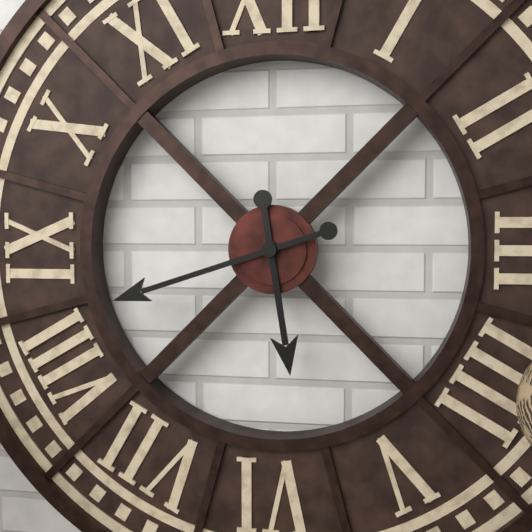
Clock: 5:42
